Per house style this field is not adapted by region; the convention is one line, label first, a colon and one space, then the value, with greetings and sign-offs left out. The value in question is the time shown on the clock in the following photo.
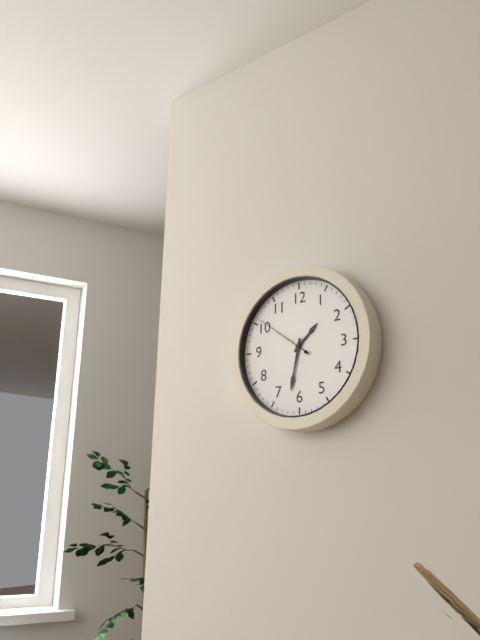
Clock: 1:32:51
